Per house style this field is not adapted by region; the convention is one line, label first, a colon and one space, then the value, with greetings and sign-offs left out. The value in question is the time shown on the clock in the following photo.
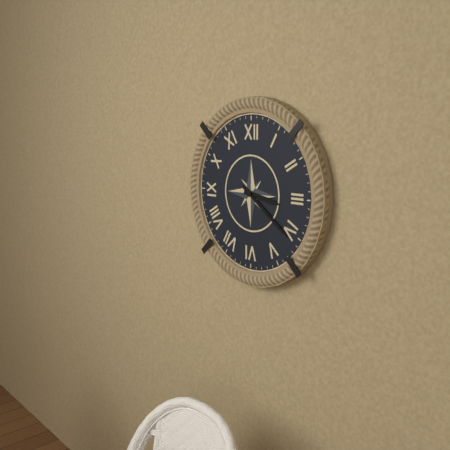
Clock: 3:21
